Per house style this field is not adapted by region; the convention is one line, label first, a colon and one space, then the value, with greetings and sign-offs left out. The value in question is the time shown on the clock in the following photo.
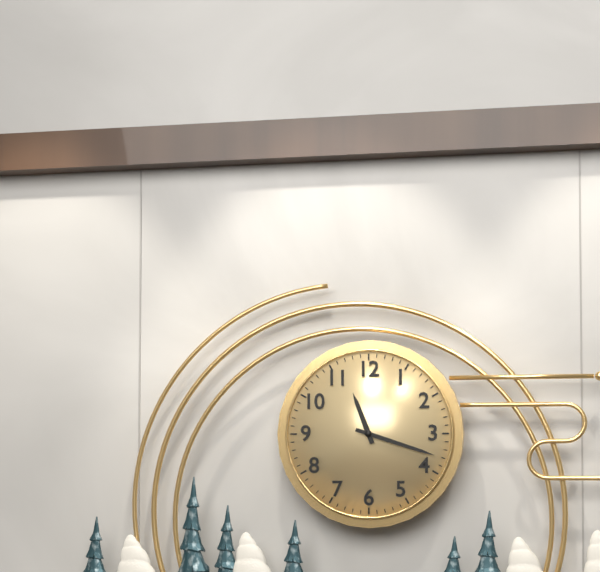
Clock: 11:18
